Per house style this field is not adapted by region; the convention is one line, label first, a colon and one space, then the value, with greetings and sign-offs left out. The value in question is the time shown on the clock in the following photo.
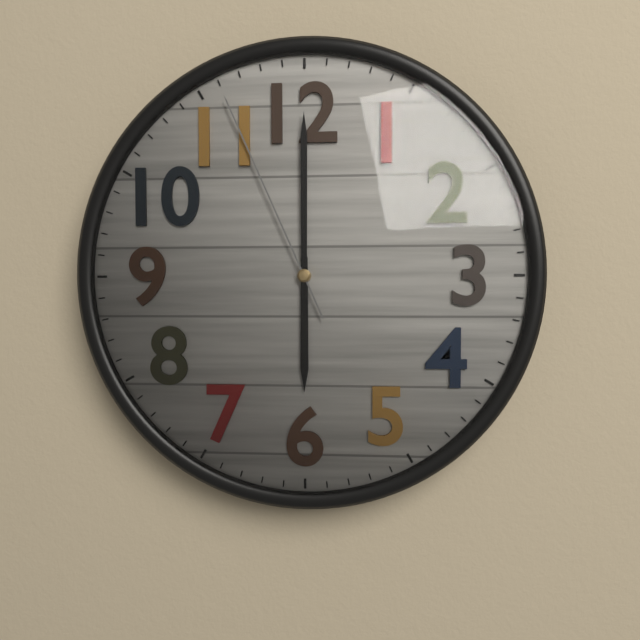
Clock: 6:00:56
